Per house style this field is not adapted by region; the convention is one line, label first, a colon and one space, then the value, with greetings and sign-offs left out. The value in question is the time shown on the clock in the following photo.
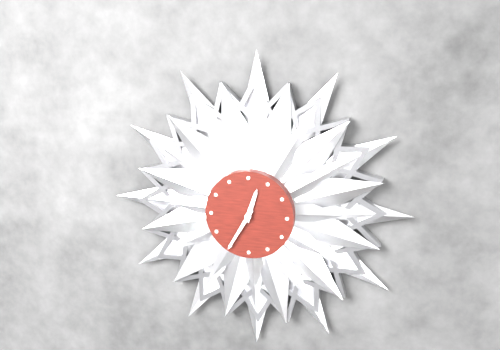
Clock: 12:35
